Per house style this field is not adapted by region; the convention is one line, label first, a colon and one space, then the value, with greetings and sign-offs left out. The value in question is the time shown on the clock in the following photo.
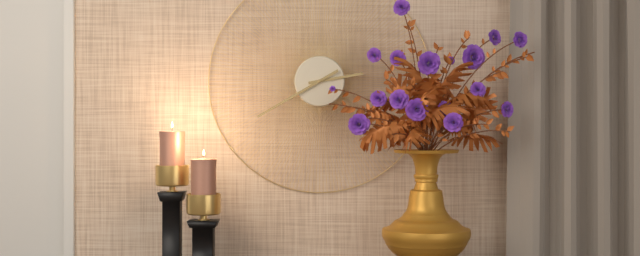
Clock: 2:40
